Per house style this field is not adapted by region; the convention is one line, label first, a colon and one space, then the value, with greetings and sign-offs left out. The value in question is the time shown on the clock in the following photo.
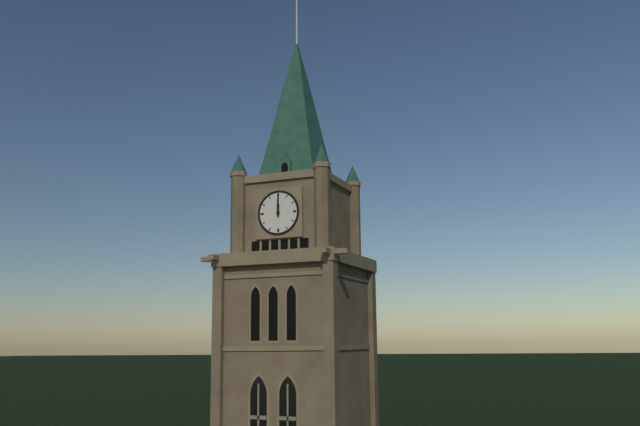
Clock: 12:00
